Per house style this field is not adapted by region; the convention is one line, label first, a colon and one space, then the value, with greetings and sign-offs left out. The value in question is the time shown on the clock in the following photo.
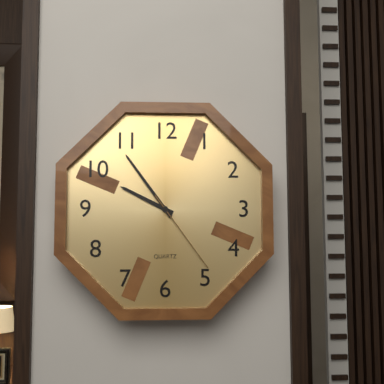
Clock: 9:54:24
